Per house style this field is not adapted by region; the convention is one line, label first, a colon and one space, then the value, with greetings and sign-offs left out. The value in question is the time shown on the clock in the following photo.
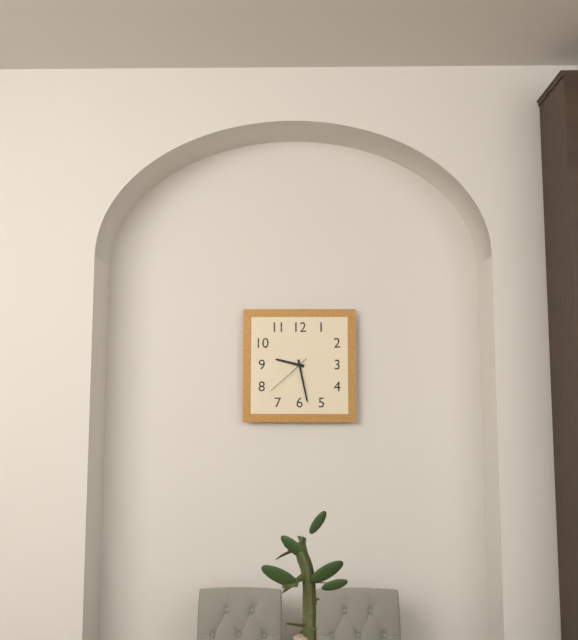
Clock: 9:28:38
